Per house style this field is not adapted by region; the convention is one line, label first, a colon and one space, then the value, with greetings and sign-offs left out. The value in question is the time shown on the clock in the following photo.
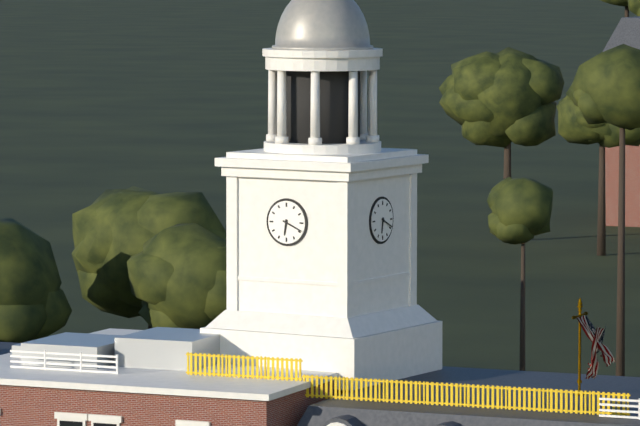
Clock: 6:19
